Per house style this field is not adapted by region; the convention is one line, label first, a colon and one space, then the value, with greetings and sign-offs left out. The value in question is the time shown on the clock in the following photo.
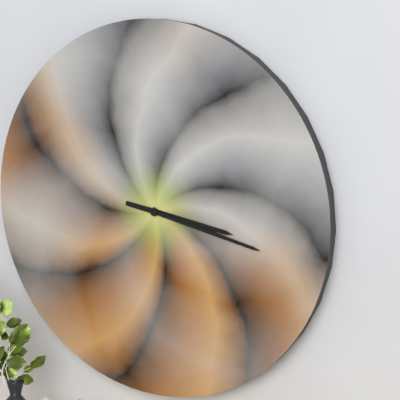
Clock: 3:17
